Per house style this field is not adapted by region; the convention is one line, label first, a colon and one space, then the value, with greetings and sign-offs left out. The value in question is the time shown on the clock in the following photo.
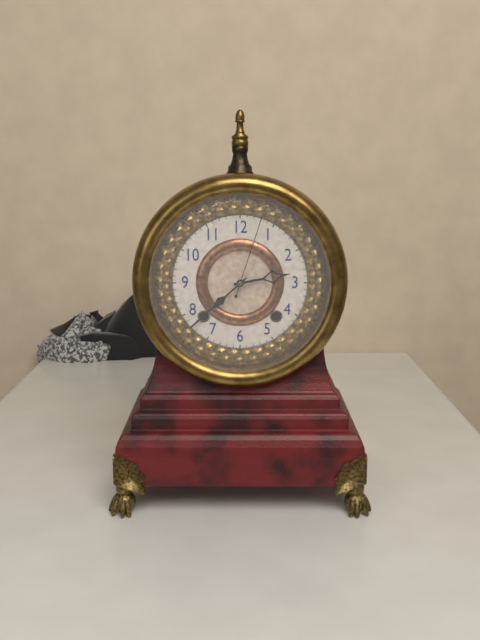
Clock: 2:38:03
